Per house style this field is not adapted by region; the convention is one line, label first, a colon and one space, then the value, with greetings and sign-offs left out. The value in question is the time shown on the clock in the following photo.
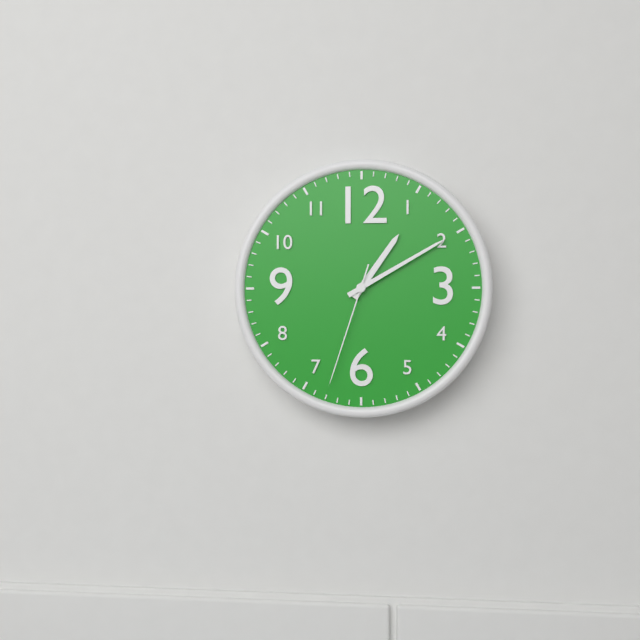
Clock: 1:10:33
